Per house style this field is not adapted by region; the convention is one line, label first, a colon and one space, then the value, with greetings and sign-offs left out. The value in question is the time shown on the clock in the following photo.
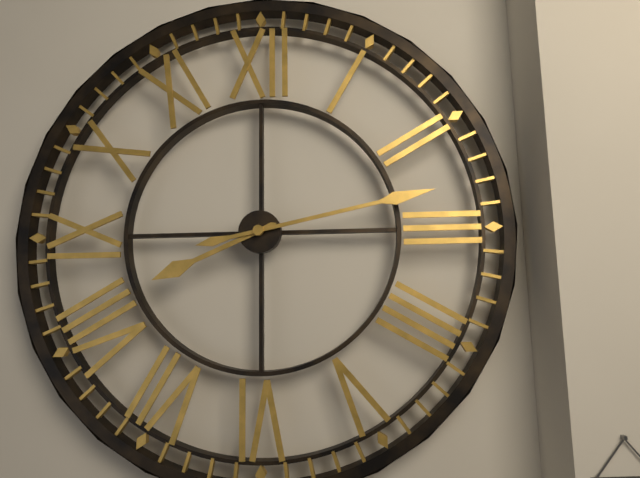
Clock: 8:13
